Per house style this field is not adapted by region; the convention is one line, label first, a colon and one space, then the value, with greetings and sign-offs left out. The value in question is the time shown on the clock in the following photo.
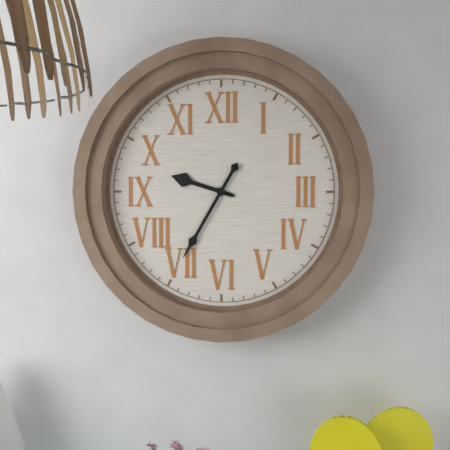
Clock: 9:35
